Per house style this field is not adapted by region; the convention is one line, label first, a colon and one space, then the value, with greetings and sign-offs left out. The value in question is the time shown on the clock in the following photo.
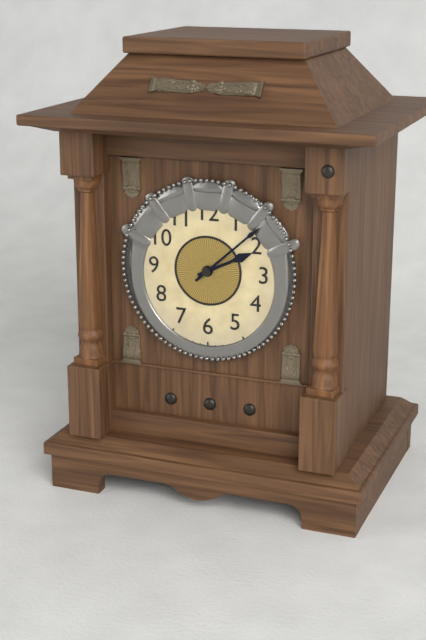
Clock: 2:08
